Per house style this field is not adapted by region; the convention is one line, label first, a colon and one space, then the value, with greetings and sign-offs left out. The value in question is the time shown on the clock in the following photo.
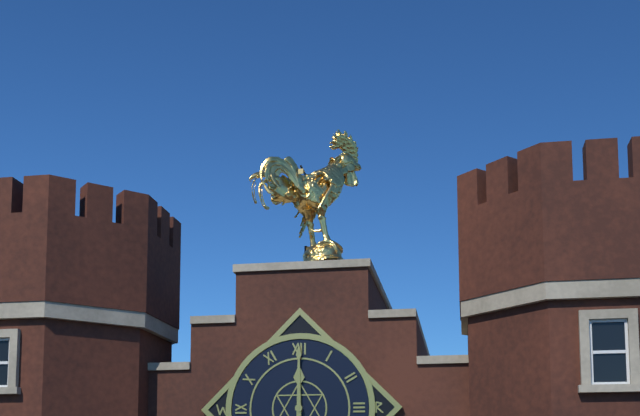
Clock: 12:00
